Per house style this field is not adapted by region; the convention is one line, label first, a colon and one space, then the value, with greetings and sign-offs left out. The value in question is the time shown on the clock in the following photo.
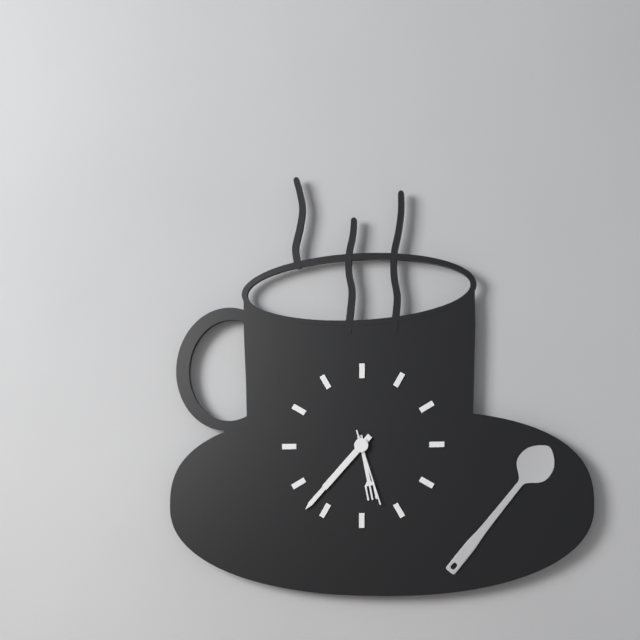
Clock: 5:37:27
